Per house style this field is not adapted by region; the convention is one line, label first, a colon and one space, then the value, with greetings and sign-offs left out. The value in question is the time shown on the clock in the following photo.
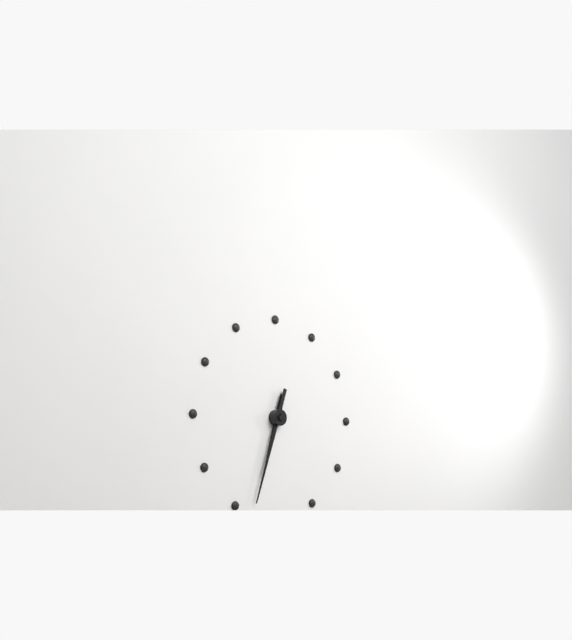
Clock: 6:33
